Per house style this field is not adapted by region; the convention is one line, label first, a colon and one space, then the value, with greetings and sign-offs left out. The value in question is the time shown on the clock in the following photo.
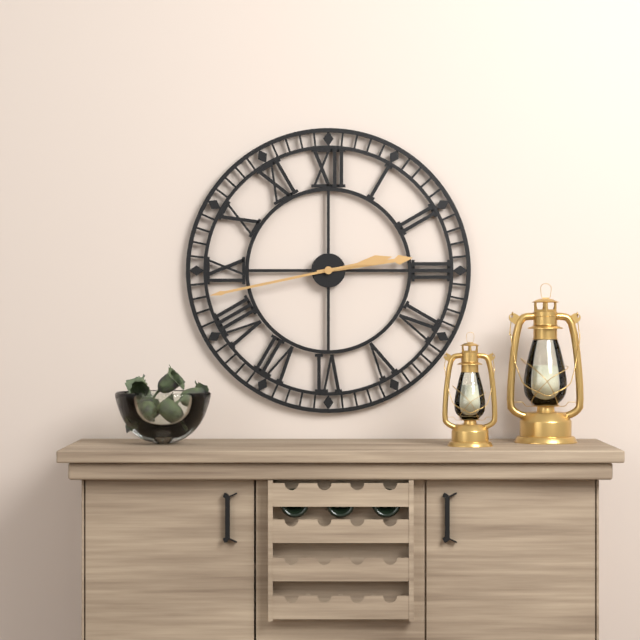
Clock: 2:43
